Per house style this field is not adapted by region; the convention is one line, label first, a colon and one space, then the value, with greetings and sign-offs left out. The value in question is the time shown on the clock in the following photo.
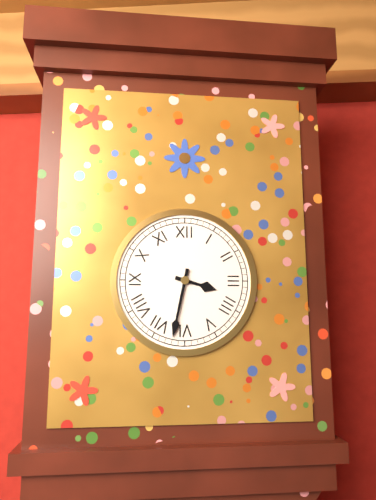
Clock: 3:32
